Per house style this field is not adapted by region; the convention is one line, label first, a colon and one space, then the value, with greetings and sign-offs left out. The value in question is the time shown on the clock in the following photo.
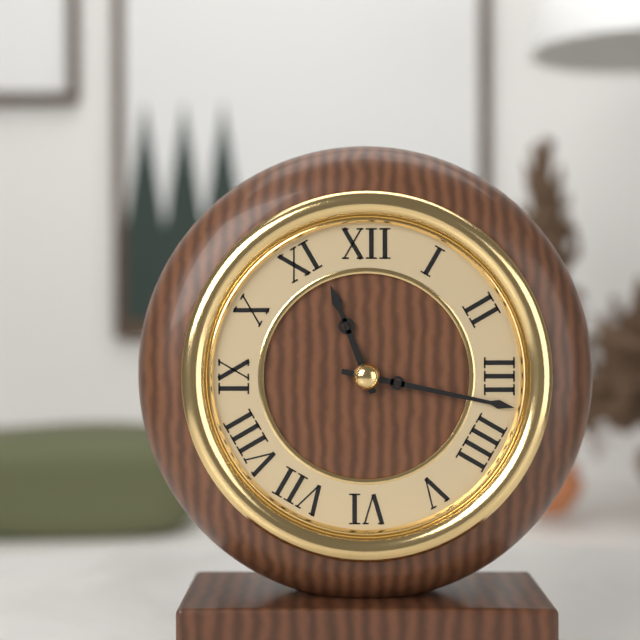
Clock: 11:17
